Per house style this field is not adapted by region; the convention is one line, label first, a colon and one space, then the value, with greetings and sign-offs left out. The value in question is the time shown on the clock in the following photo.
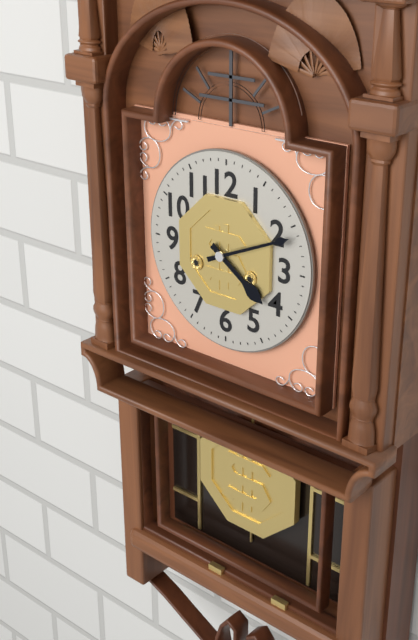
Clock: 4:11
